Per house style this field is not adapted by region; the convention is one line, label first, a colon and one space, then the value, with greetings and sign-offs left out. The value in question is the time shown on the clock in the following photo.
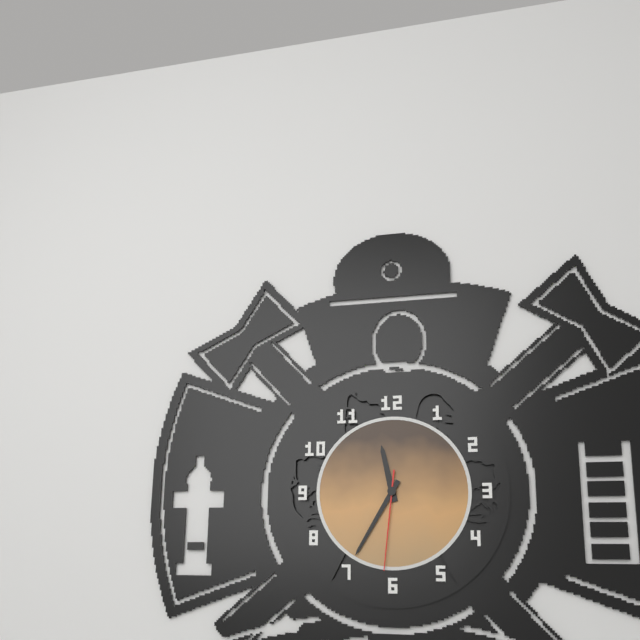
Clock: 11:35:31
